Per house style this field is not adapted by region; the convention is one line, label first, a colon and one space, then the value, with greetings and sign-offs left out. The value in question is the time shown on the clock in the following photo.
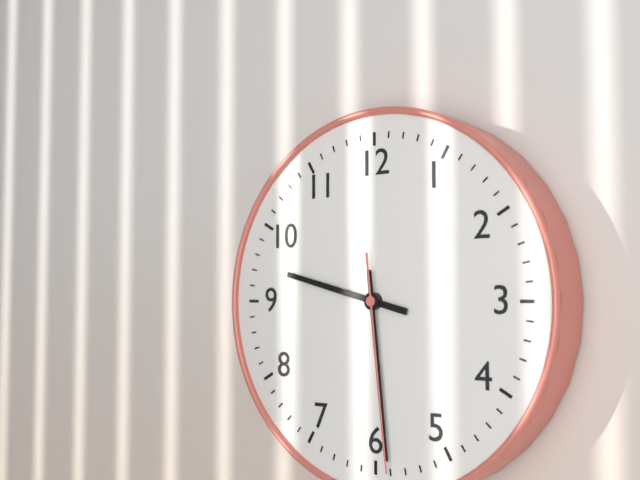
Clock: 9:29:29
